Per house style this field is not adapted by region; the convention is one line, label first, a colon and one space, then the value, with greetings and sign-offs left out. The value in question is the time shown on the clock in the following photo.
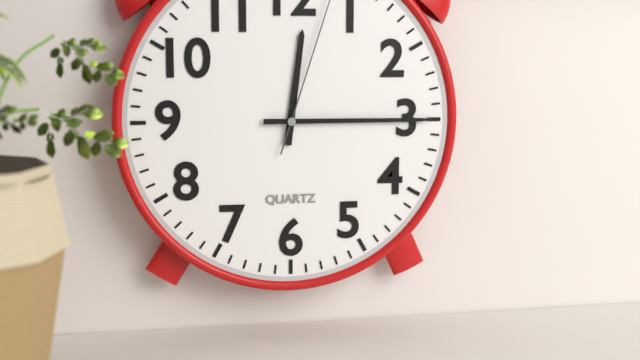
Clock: 12:15
